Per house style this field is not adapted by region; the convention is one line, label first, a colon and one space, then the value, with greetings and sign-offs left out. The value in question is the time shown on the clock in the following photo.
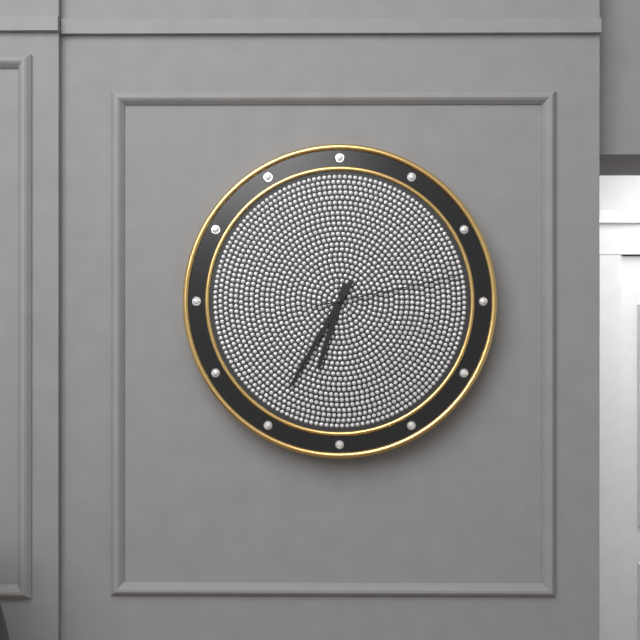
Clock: 6:35:13
